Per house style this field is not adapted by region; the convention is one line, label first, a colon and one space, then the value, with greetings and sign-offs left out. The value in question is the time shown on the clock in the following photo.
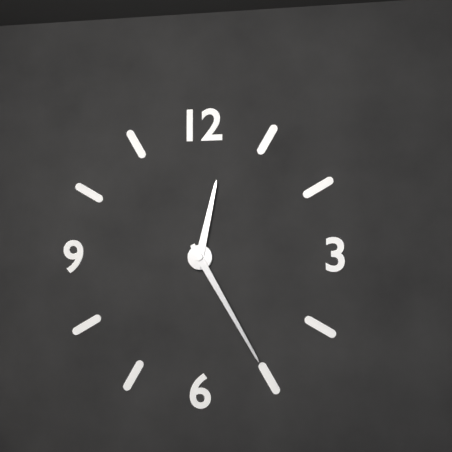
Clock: 12:25
